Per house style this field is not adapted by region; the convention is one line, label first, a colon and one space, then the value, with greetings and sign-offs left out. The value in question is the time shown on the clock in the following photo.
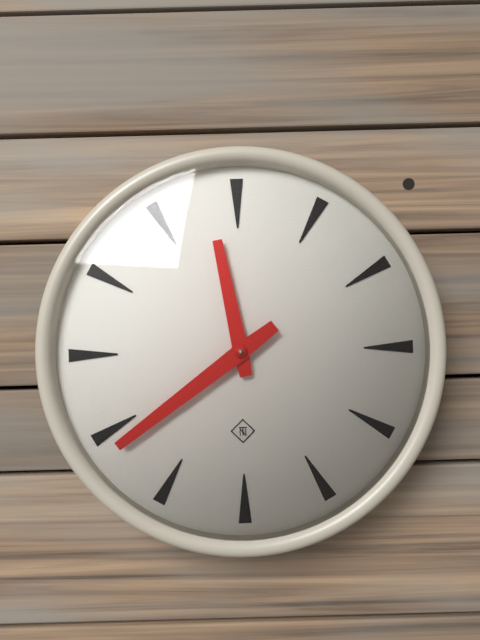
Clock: 11:39
